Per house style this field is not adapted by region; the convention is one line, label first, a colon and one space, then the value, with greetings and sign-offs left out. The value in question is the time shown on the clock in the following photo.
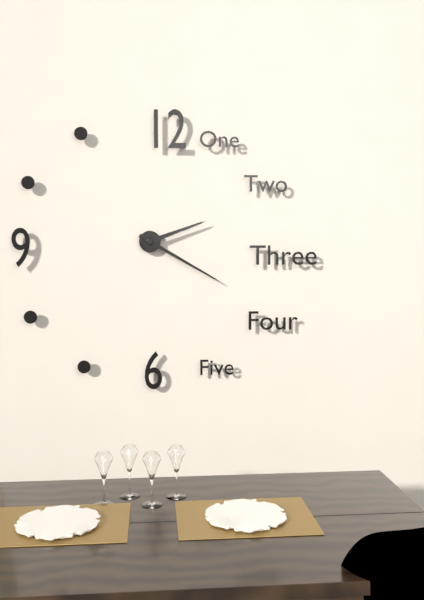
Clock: 2:20
